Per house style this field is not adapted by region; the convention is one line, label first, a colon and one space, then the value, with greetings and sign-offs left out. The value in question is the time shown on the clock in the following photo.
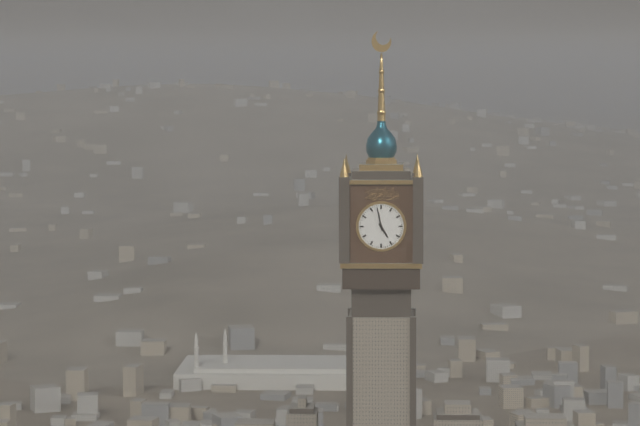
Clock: 4:58
